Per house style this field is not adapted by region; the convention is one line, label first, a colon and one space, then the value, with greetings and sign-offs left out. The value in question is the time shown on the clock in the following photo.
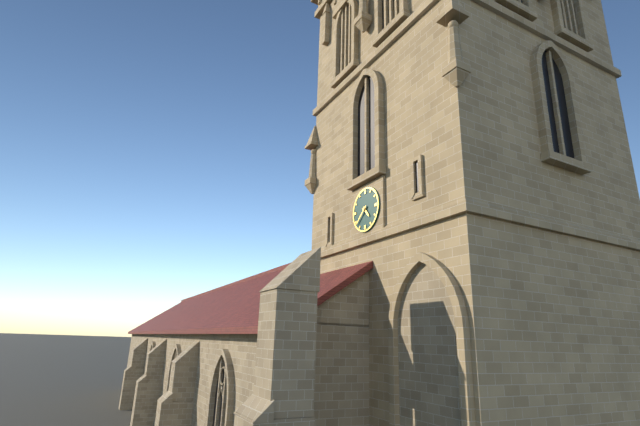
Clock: 4:38
